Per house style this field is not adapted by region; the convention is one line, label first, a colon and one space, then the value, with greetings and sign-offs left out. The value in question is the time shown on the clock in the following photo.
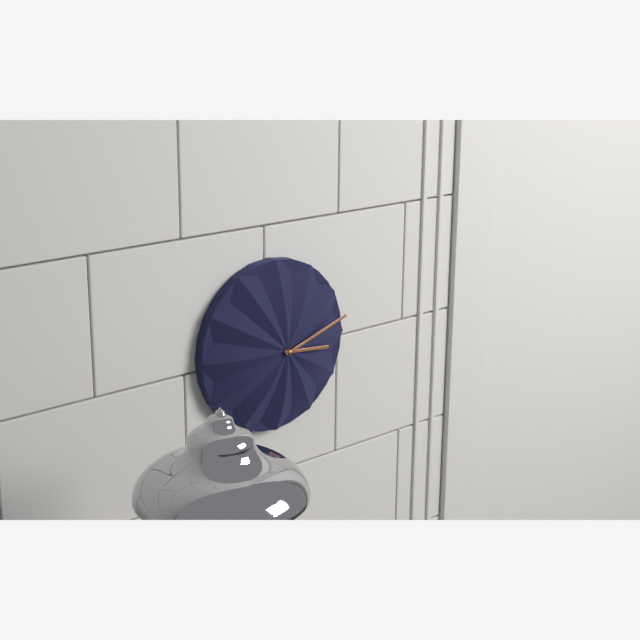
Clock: 3:12
